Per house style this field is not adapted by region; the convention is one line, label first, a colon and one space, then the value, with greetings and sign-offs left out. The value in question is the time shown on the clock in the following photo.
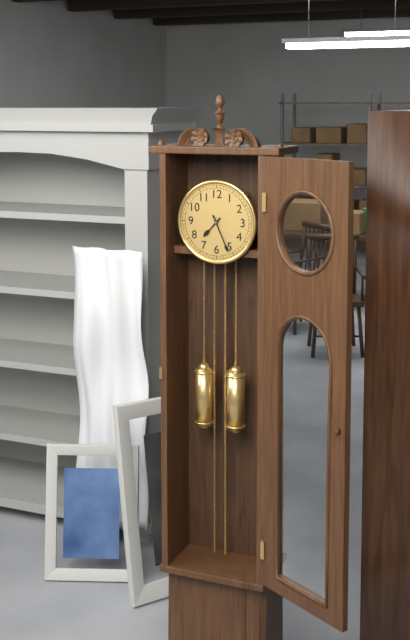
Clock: 7:26
